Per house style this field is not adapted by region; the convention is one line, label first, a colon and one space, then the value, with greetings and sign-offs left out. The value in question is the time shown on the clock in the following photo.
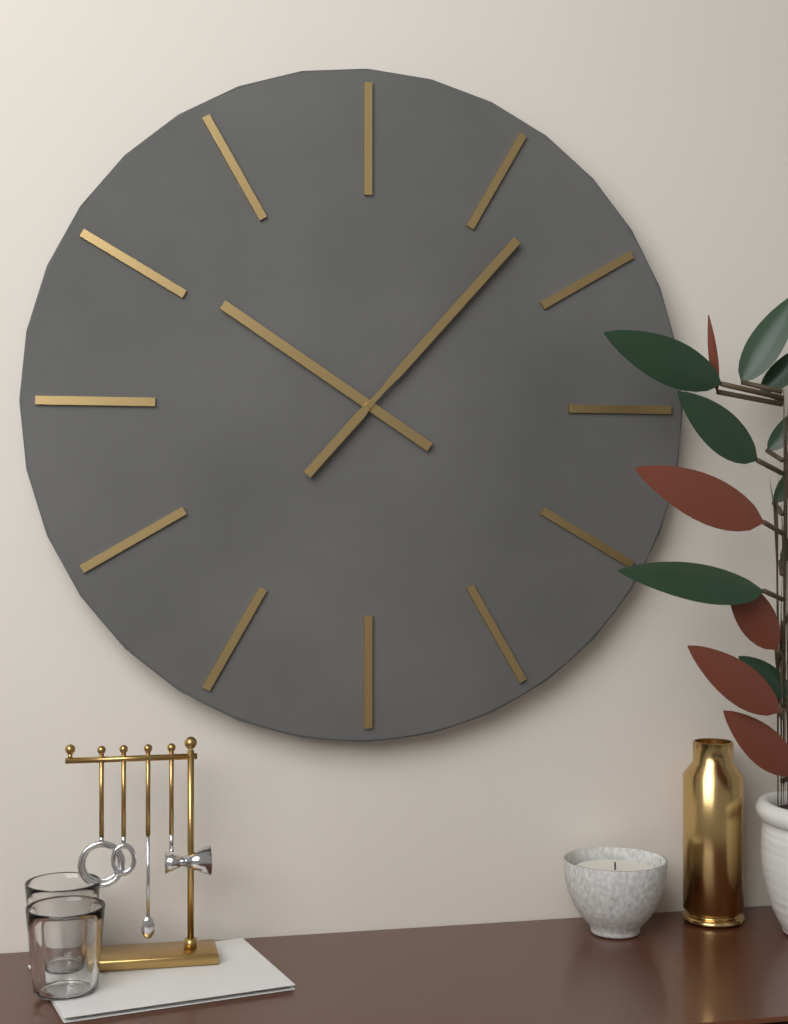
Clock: 10:07
